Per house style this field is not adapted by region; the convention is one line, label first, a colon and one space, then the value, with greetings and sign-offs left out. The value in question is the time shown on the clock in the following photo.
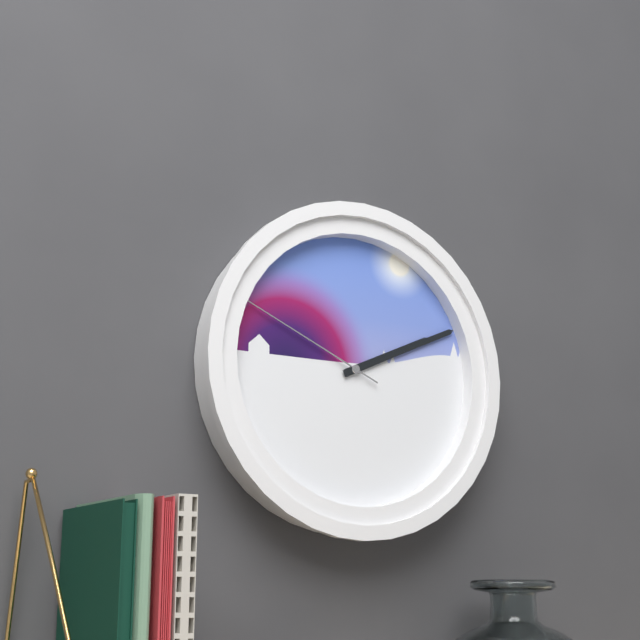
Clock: 2:11:49
